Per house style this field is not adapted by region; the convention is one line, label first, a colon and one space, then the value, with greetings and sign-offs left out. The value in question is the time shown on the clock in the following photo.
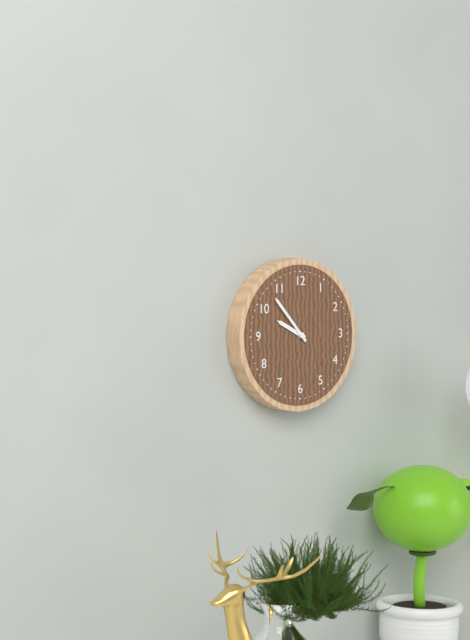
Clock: 9:53
